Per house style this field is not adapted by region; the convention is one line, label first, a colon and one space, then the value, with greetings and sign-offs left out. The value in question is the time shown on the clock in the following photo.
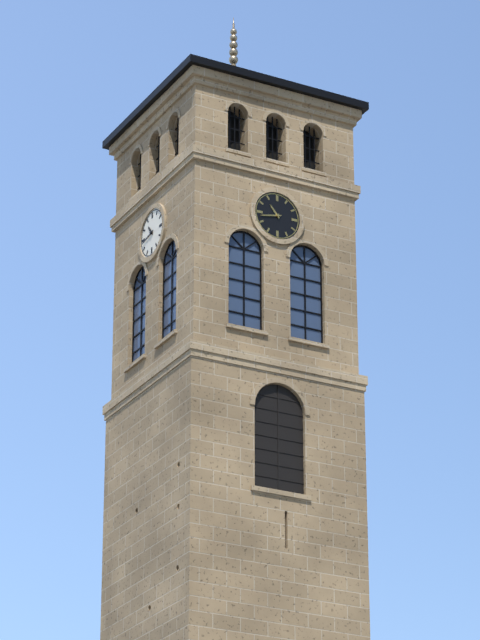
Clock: 10:43
